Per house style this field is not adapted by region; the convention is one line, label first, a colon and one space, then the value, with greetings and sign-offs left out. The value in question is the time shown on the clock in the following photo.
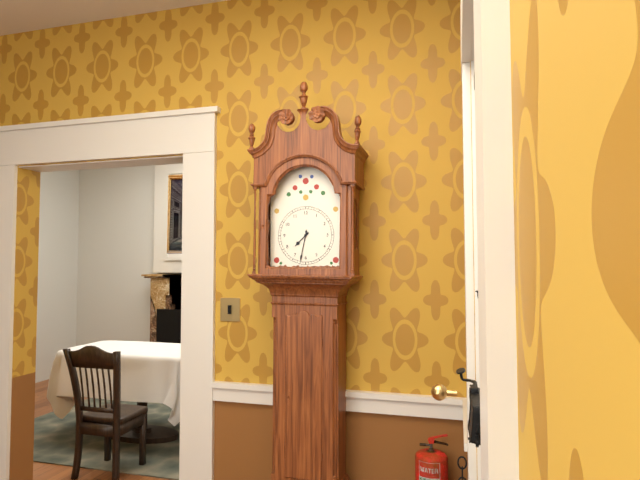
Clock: 7:32
